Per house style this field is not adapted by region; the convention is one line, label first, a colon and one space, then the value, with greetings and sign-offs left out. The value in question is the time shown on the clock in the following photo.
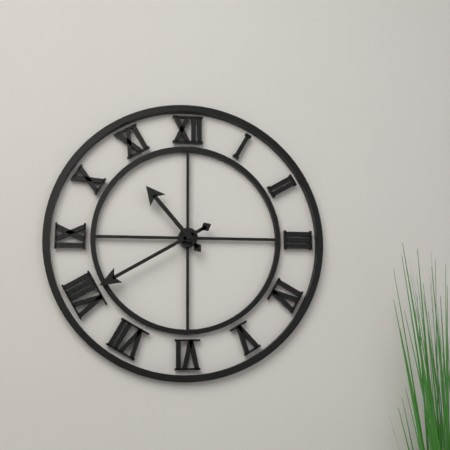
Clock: 10:40
